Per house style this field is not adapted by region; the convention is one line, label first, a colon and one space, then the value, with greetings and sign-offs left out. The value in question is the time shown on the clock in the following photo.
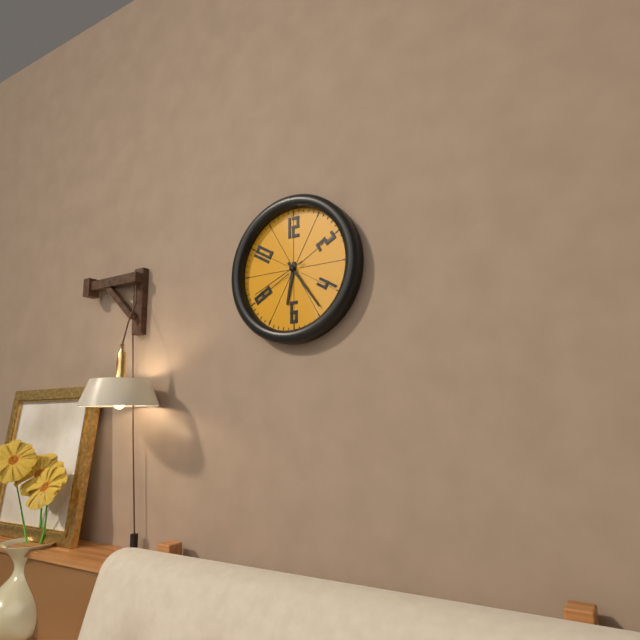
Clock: 6:24:41
